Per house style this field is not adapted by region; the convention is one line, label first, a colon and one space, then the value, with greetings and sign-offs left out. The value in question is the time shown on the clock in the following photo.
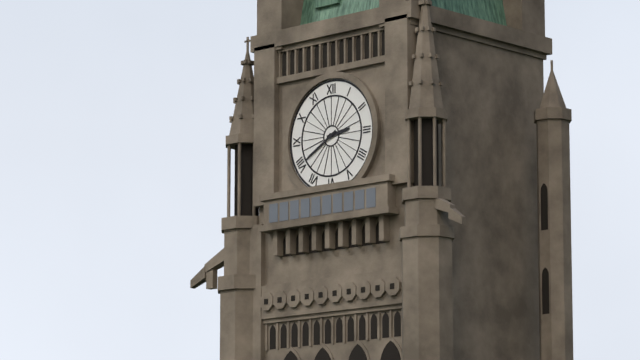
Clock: 2:40
